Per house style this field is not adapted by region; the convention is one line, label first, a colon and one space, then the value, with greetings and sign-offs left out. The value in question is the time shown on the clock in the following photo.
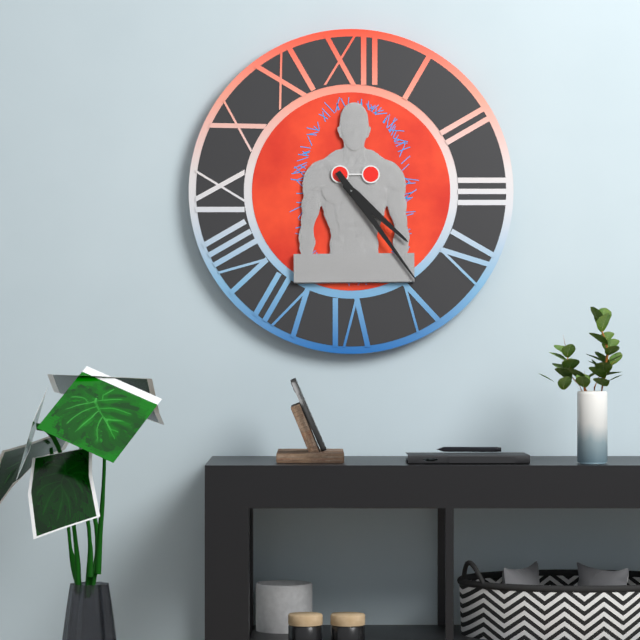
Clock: 4:24
